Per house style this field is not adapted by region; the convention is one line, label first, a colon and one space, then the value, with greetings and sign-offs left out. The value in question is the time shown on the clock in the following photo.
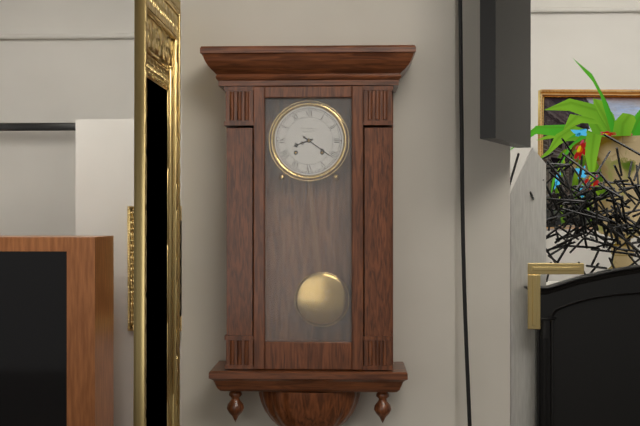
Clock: 8:21
